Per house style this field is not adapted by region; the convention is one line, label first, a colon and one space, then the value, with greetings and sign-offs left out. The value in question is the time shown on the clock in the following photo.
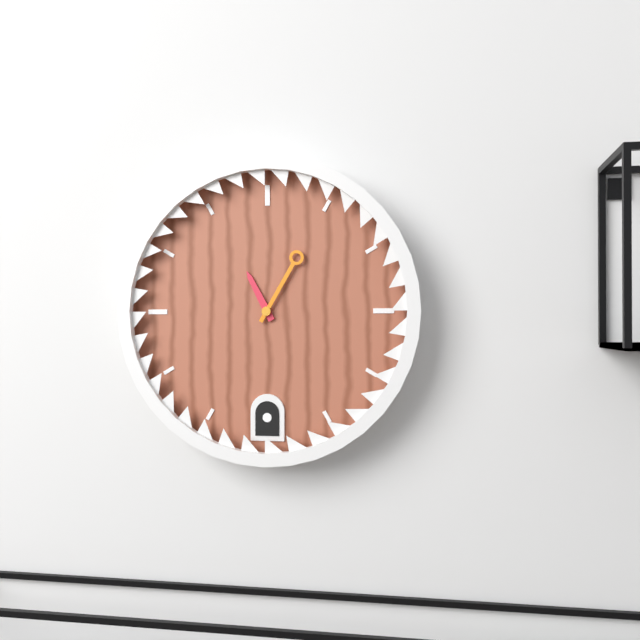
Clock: 11:05
